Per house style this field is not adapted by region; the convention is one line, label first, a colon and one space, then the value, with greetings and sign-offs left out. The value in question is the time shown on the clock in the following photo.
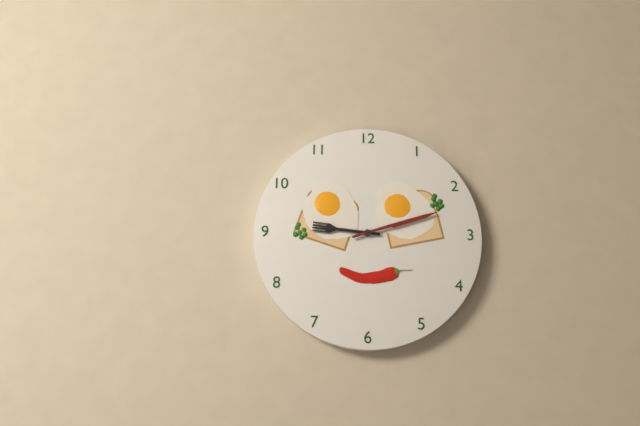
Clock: 9:12
